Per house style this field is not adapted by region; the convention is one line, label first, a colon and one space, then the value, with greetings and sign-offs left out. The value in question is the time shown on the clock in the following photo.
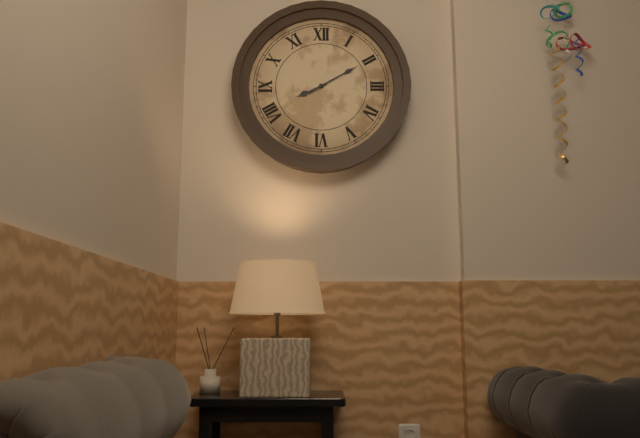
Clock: 8:10
